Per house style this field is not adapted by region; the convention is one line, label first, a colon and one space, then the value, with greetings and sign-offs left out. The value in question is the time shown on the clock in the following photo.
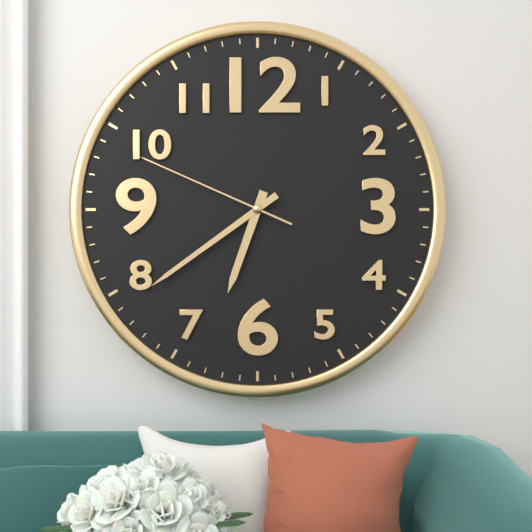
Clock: 6:39:49
